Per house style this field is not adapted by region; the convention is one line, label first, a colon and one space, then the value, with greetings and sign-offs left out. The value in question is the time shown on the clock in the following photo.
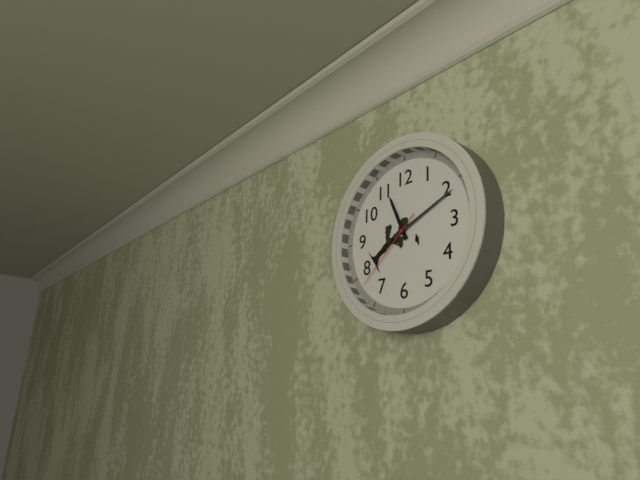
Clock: 11:11:38
